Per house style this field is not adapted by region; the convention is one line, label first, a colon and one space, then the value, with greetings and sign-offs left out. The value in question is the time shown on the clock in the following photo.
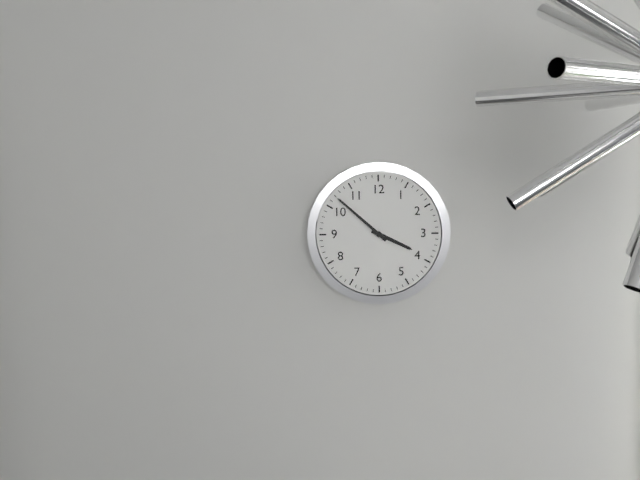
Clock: 3:52
